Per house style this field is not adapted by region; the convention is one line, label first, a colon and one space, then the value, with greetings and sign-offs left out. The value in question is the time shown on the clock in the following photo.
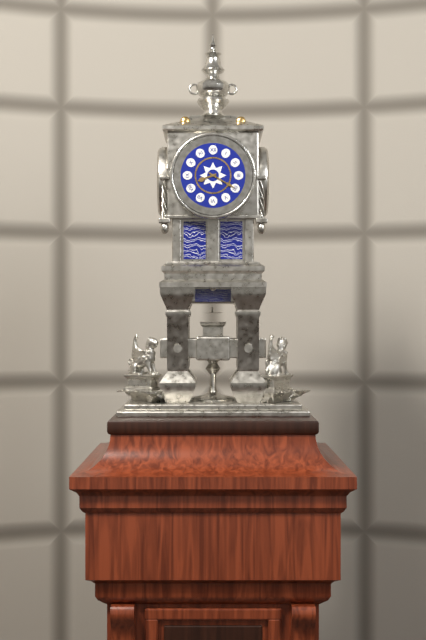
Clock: 8:20
